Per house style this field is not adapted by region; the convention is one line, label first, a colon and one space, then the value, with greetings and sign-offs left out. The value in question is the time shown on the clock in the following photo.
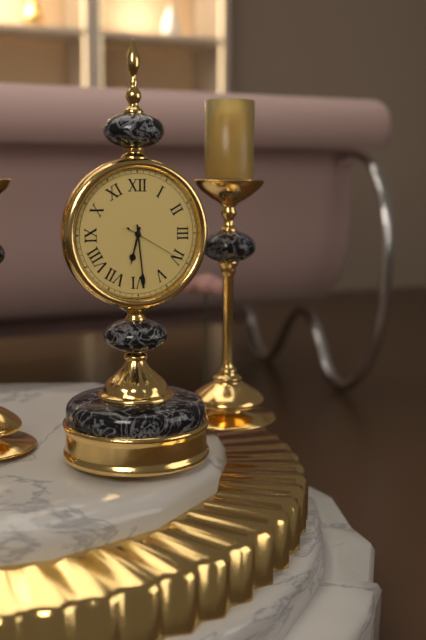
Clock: 6:29:20
